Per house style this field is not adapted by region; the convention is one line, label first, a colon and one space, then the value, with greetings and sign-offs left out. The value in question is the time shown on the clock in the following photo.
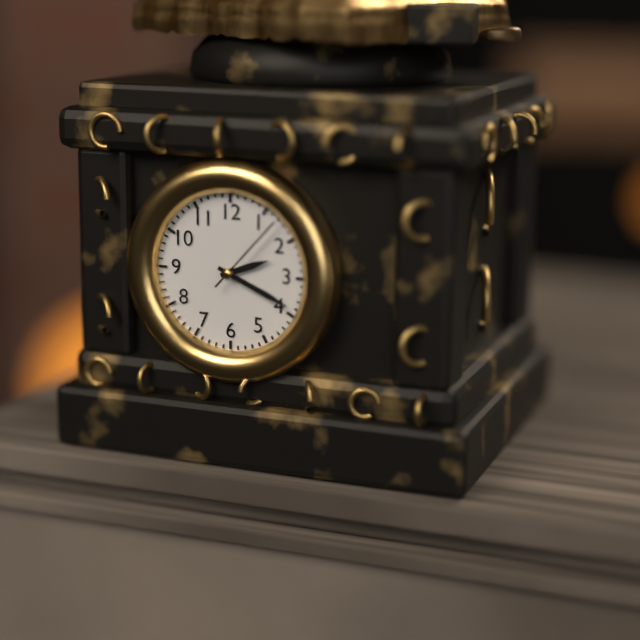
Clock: 2:19:07
